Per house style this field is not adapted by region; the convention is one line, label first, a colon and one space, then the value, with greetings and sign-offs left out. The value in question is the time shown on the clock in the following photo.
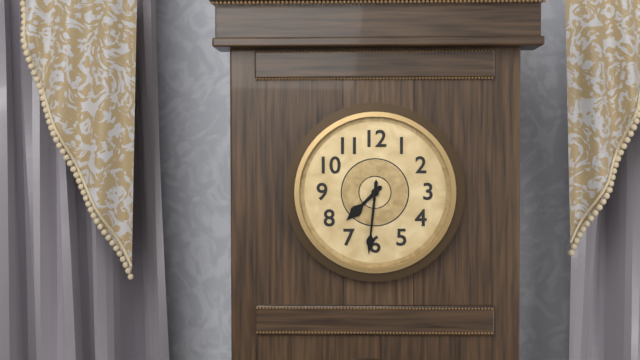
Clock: 7:31
